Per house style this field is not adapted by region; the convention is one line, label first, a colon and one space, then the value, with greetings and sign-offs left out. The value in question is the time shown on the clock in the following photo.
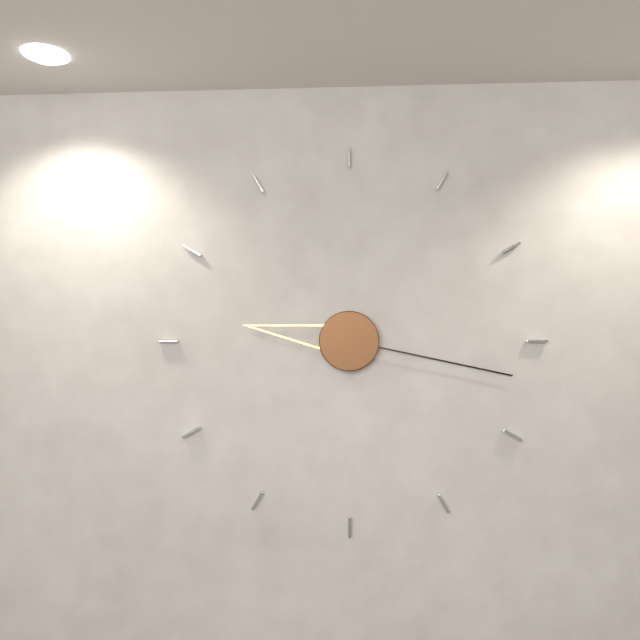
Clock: 9:17
